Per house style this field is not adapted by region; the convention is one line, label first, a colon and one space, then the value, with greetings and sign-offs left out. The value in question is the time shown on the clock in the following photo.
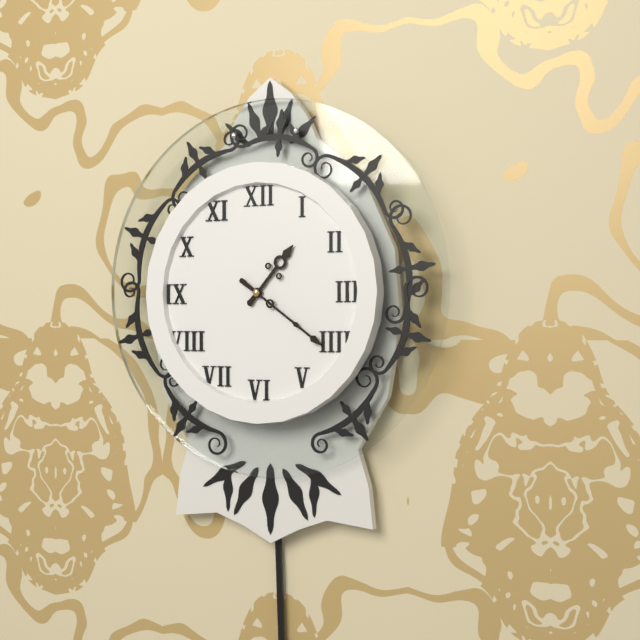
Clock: 1:21
